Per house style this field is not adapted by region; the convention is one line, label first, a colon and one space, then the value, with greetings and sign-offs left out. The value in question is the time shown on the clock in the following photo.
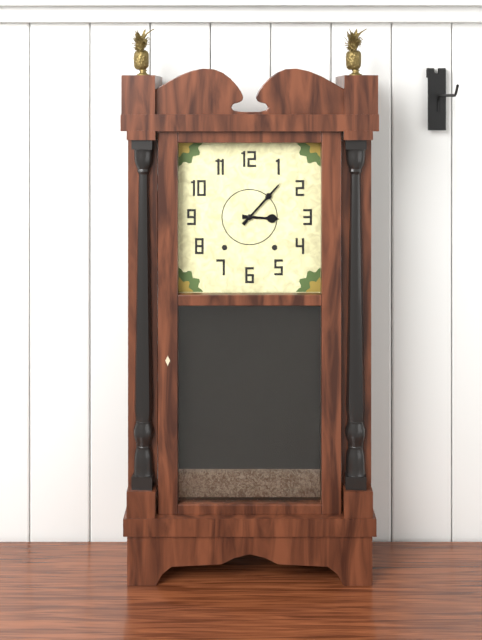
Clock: 3:07
